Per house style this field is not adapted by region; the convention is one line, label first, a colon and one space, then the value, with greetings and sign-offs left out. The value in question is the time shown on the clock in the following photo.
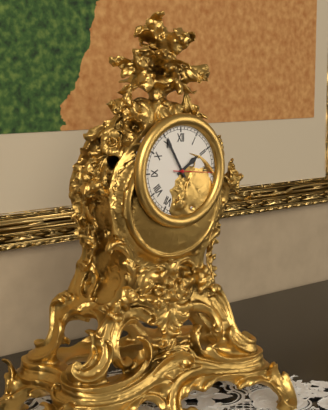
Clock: 1:55
